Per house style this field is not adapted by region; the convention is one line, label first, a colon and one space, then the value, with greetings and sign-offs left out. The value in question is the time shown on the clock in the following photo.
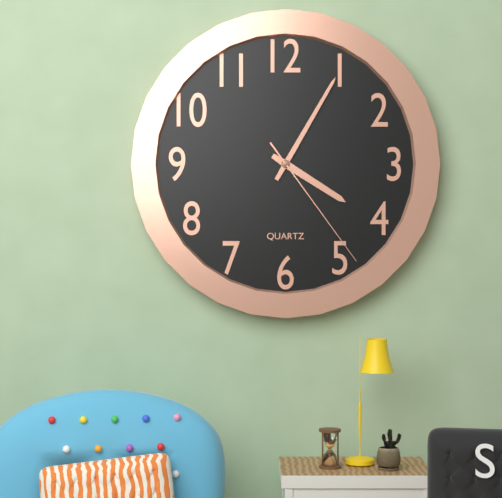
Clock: 4:05:24
